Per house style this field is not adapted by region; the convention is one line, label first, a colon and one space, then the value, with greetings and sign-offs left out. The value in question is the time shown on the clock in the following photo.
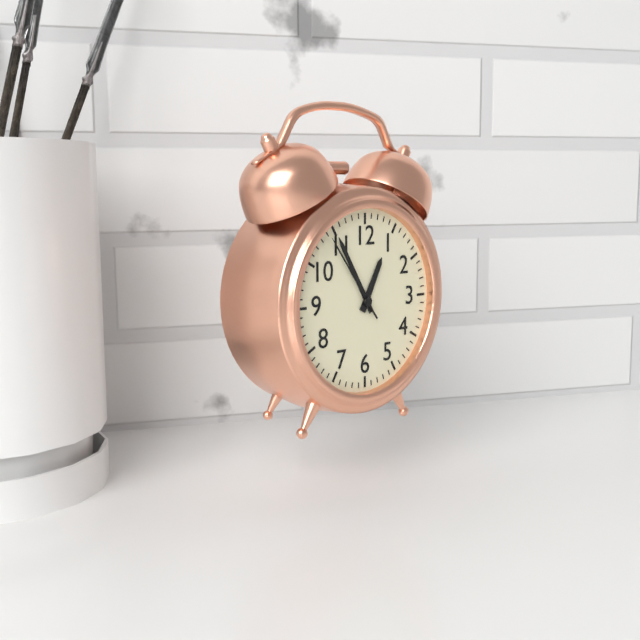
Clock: 12:55:54
